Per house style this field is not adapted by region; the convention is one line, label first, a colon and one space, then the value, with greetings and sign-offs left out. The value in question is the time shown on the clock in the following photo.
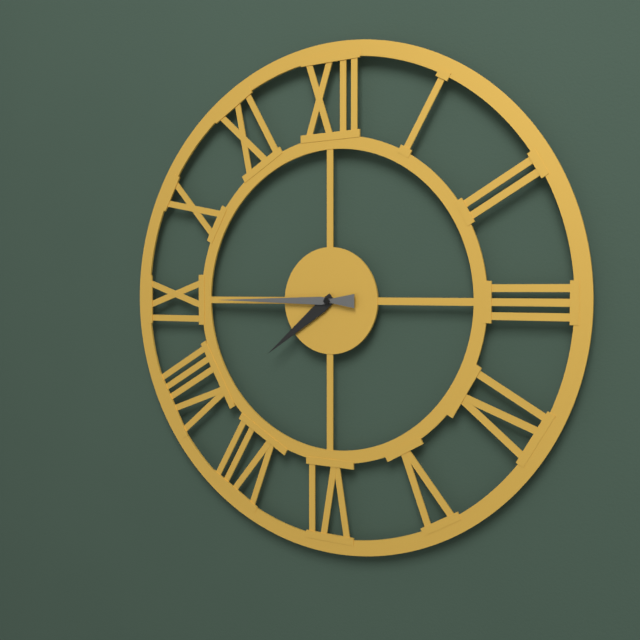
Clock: 7:45
